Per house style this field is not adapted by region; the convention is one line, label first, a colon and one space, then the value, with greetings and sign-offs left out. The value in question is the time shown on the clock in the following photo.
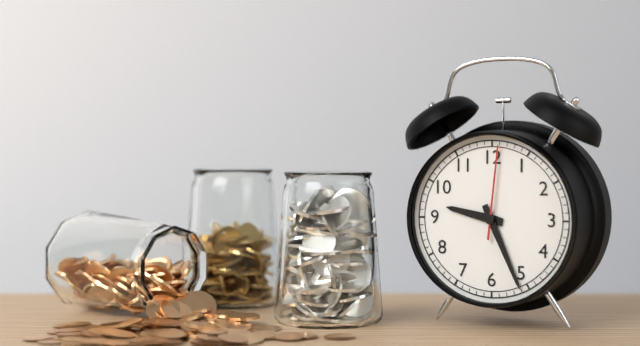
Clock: 9:26:01
